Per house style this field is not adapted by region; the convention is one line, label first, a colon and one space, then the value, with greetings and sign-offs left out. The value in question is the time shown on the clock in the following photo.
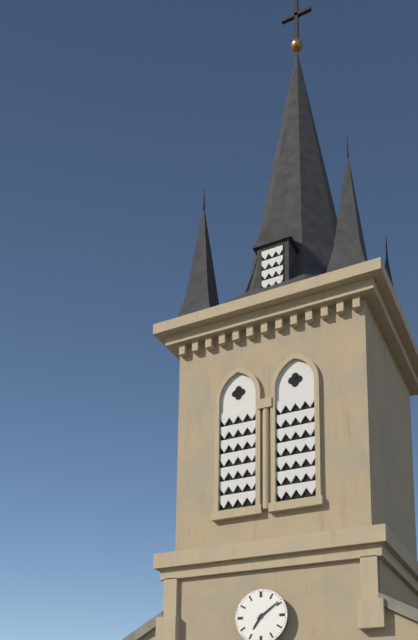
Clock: 7:09
